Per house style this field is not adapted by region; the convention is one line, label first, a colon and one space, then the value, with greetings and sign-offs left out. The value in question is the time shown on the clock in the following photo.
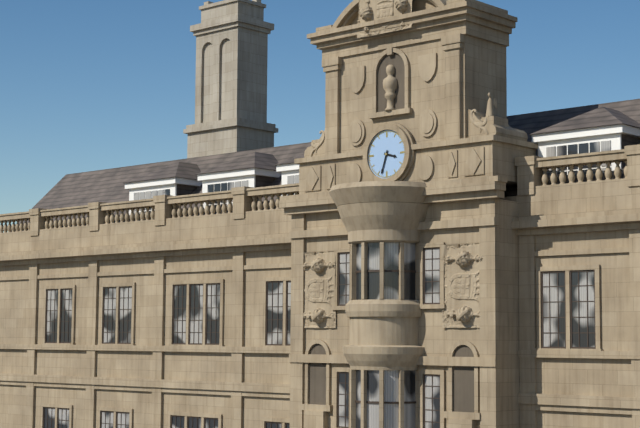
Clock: 3:33
